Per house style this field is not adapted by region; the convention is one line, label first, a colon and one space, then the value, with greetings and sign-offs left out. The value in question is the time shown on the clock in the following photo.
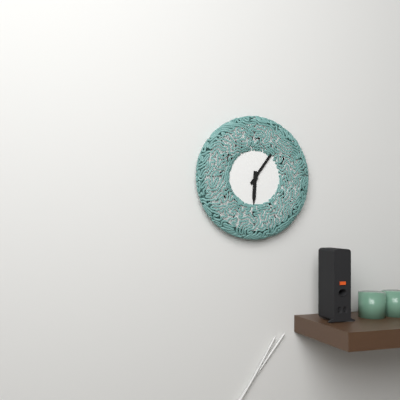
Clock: 6:06
